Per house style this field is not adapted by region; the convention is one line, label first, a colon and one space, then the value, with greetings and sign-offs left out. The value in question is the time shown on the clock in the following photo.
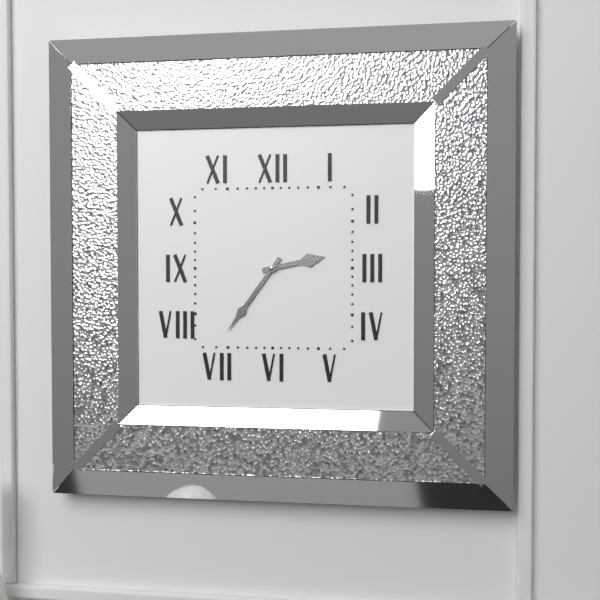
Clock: 2:36
